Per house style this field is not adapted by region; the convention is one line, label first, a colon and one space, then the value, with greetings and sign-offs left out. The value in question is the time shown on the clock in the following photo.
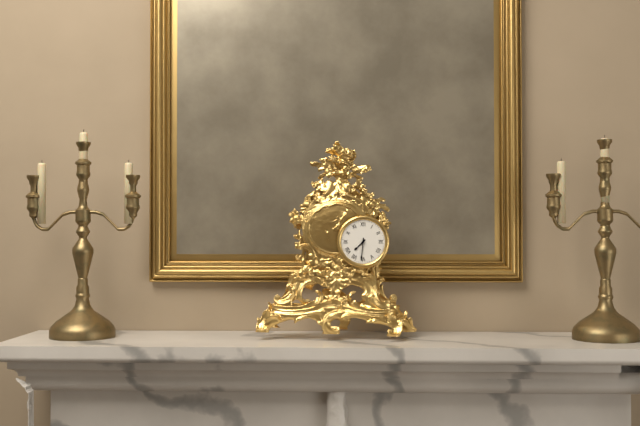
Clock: 7:31
